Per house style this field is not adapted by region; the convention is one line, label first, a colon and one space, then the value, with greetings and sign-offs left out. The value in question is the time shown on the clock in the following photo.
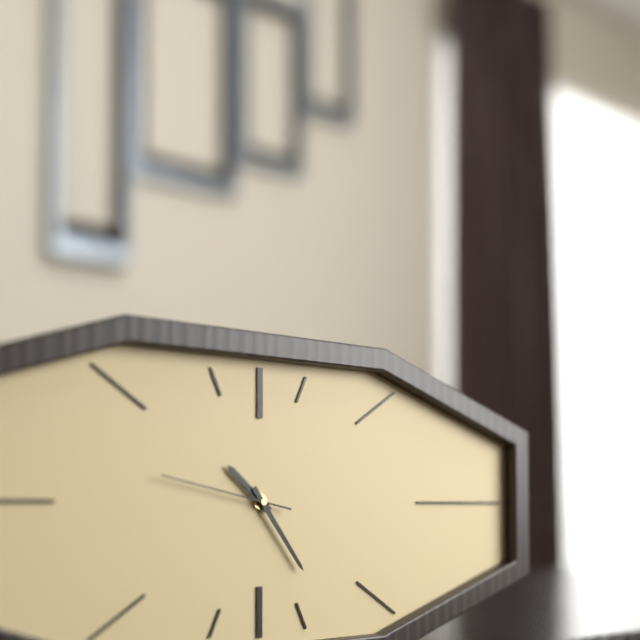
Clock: 10:24:47
